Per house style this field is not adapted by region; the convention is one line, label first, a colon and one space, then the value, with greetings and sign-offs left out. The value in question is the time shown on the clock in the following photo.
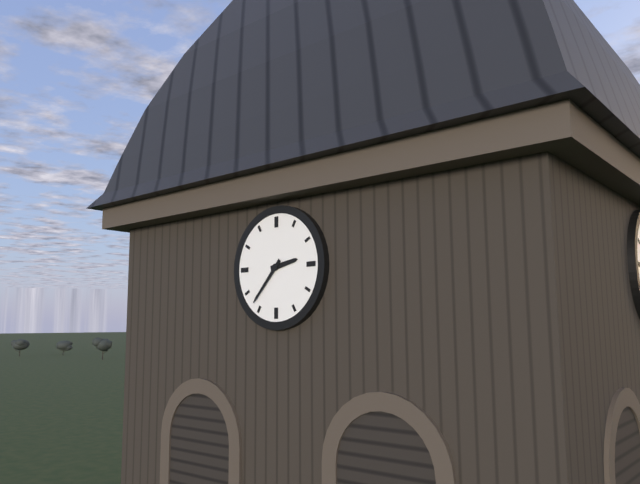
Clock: 2:37
